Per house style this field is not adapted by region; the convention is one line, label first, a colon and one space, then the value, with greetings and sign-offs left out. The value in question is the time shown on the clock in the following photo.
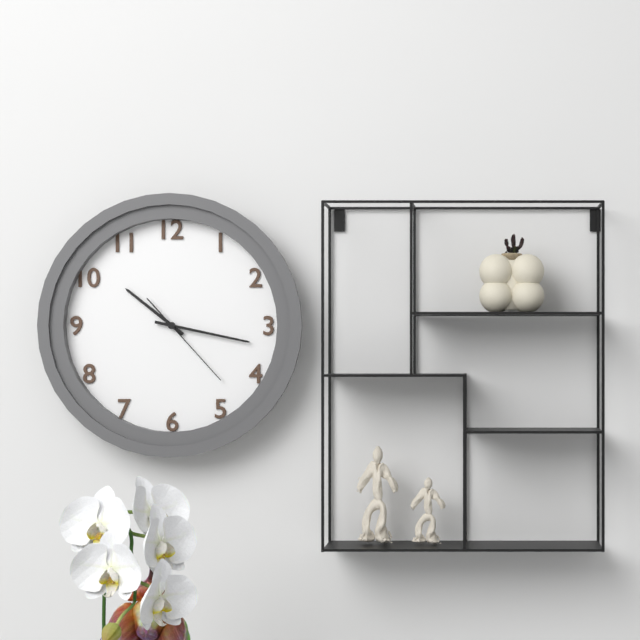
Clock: 10:17:23
